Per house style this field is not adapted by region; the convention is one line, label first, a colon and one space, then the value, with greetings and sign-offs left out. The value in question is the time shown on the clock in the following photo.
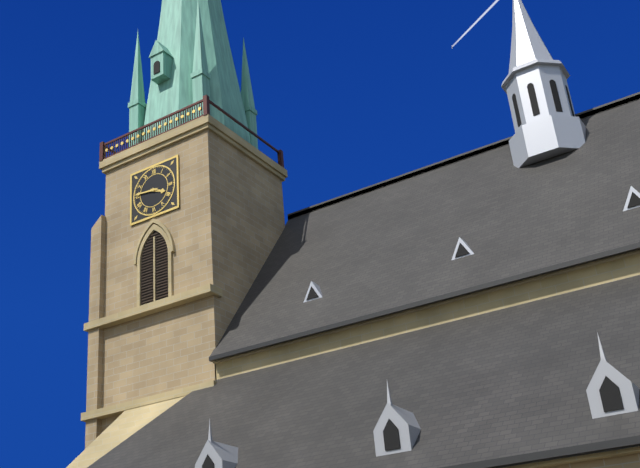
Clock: 3:46
